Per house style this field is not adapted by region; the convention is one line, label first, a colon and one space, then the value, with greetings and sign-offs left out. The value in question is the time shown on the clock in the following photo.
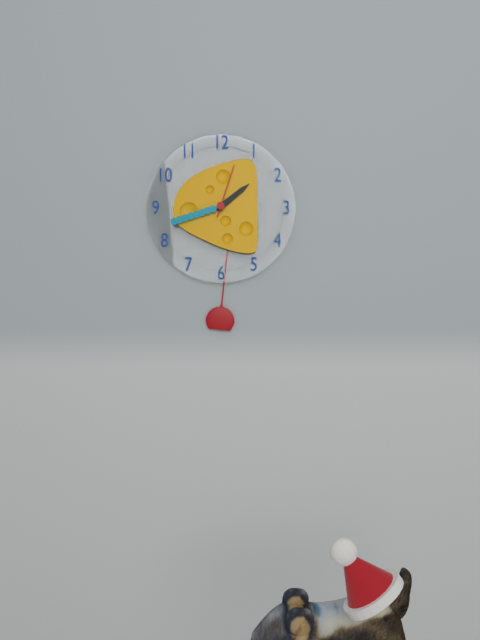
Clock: 1:42:03
